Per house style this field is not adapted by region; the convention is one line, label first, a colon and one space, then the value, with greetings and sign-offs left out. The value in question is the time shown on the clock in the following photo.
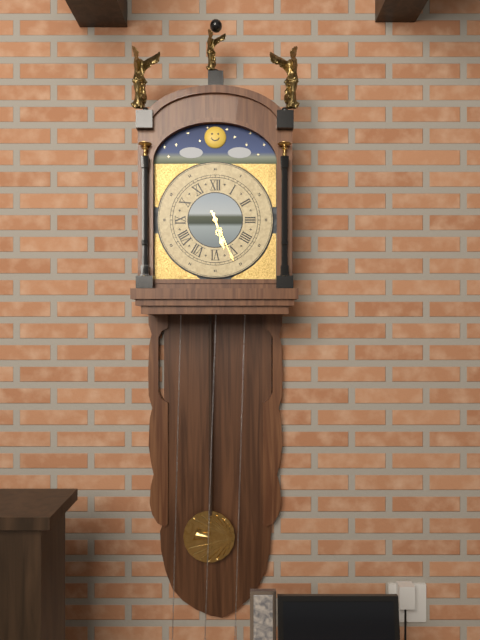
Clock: 5:26
